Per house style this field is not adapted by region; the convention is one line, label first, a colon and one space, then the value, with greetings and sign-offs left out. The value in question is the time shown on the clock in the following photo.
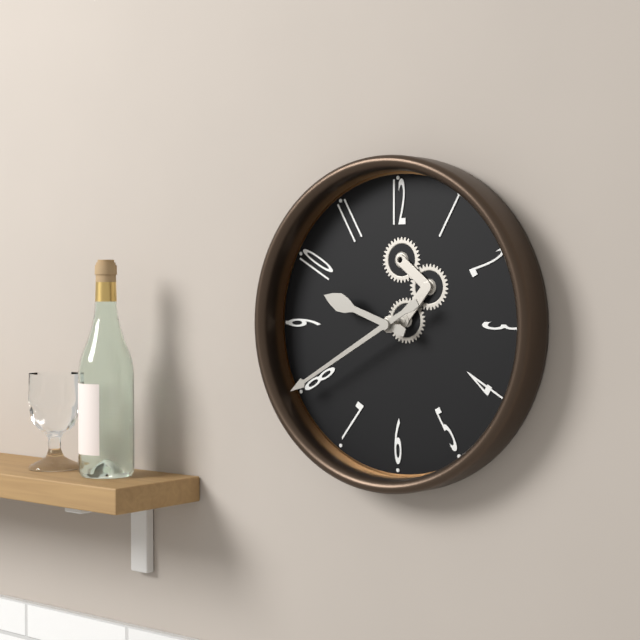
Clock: 9:40
